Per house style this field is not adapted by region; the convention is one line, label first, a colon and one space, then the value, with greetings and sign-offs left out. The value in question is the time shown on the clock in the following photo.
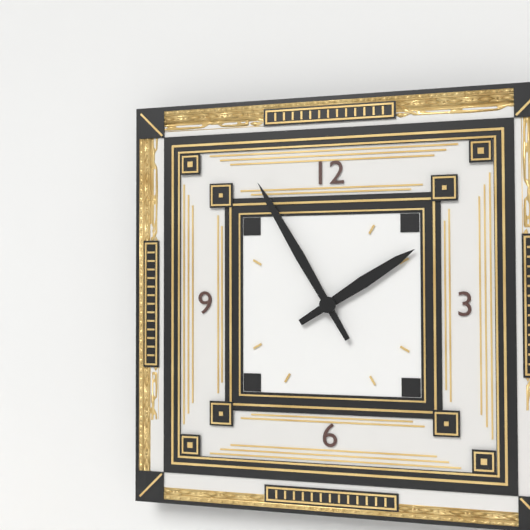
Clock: 1:55
